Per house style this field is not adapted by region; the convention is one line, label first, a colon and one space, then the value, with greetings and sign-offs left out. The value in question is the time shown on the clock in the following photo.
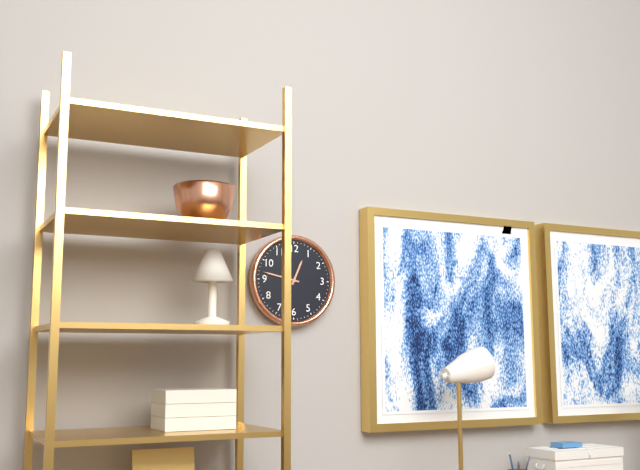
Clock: 12:47
